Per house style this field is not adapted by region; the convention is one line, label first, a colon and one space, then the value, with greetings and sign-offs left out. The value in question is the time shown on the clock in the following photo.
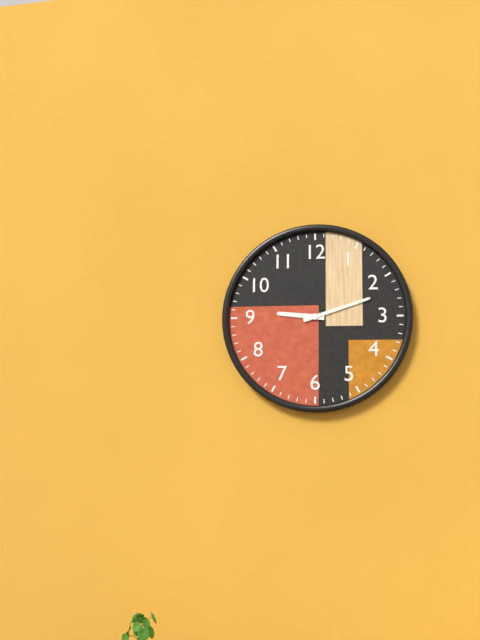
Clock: 9:12
